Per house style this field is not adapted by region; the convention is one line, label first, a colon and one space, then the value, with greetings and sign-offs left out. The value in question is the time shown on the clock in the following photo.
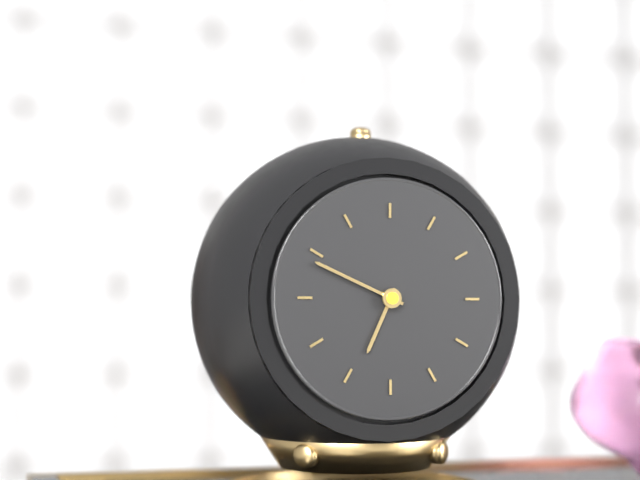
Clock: 6:49
